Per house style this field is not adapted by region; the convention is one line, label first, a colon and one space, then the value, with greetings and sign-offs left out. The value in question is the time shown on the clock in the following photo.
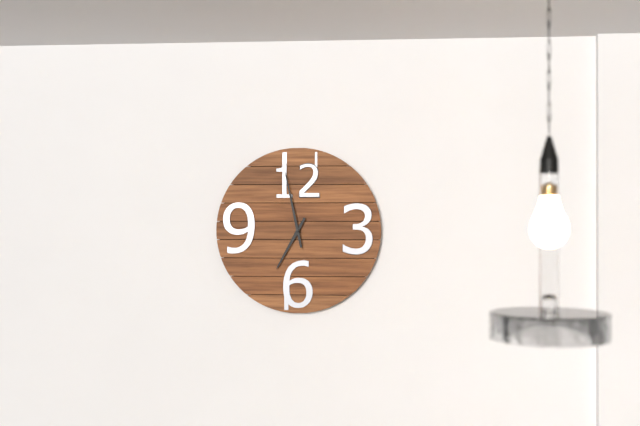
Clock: 6:58
